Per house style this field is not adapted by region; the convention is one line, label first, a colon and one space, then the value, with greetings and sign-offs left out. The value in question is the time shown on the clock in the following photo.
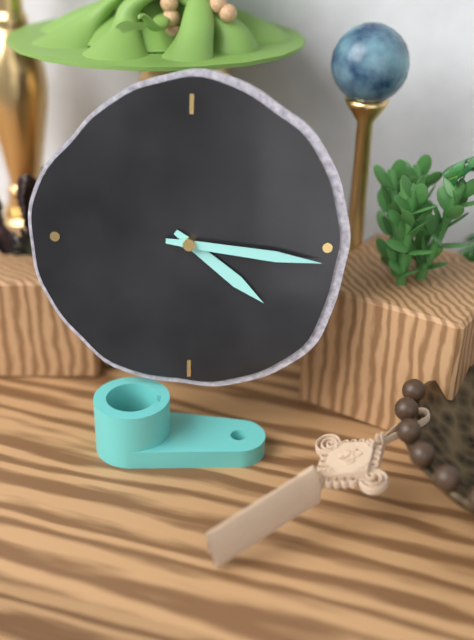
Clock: 4:16
